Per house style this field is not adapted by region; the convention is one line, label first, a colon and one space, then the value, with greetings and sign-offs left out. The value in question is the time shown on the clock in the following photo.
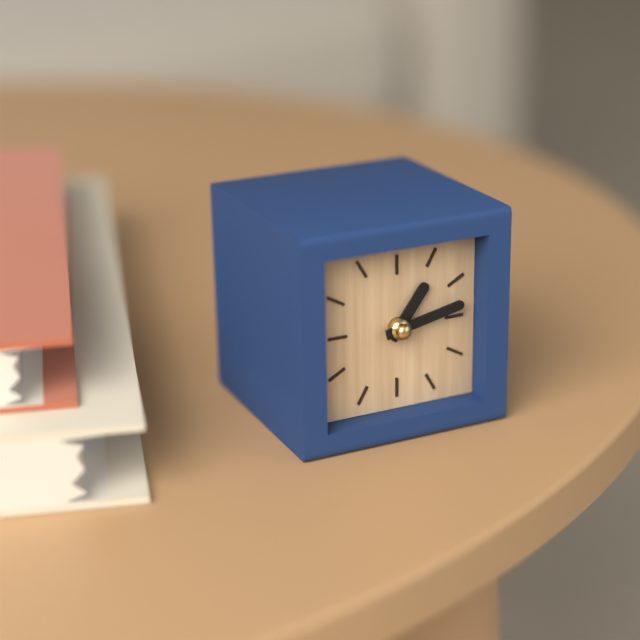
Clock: 1:13
